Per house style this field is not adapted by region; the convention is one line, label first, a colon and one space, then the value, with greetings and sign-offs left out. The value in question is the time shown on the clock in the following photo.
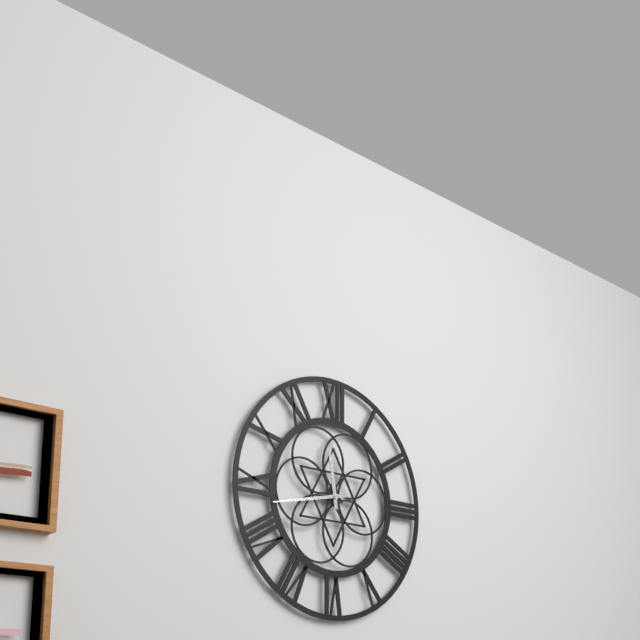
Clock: 11:43
